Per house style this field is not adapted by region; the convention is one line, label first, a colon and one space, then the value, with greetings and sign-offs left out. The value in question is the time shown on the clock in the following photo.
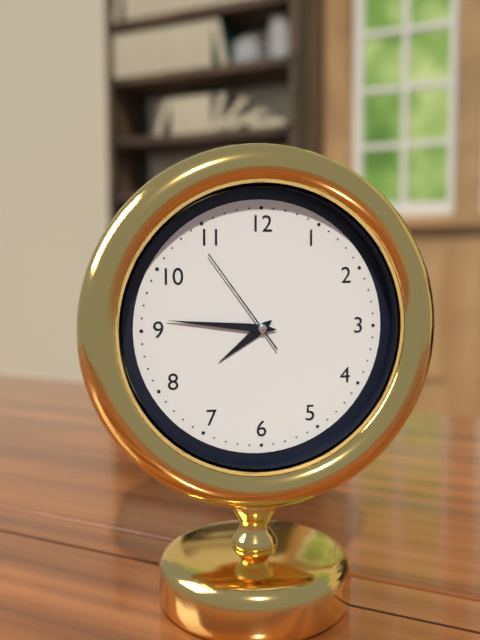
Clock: 7:46:54
